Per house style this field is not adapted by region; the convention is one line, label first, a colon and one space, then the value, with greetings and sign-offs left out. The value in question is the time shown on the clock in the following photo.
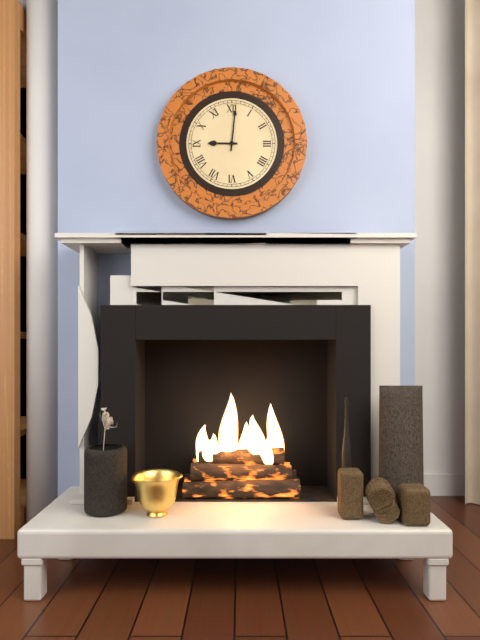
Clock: 9:01
